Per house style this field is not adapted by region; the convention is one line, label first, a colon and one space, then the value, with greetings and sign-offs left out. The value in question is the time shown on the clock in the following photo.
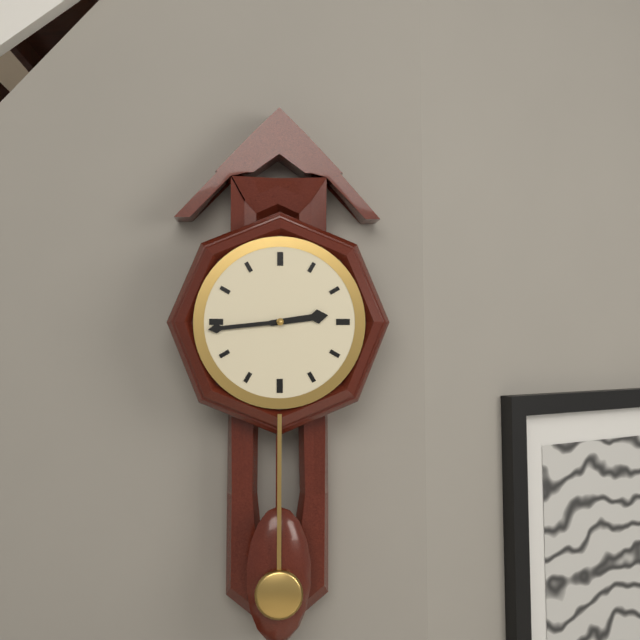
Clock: 2:44
